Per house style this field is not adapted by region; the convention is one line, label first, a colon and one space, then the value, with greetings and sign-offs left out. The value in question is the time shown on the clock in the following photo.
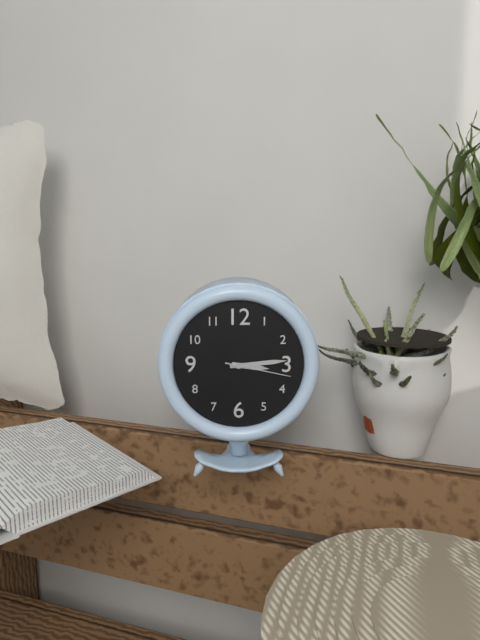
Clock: 3:14:17
